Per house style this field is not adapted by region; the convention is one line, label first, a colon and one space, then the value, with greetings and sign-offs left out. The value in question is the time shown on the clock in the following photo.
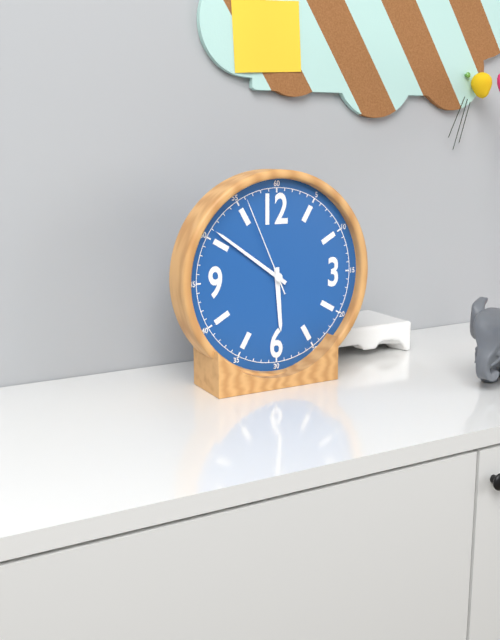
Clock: 5:51:56
